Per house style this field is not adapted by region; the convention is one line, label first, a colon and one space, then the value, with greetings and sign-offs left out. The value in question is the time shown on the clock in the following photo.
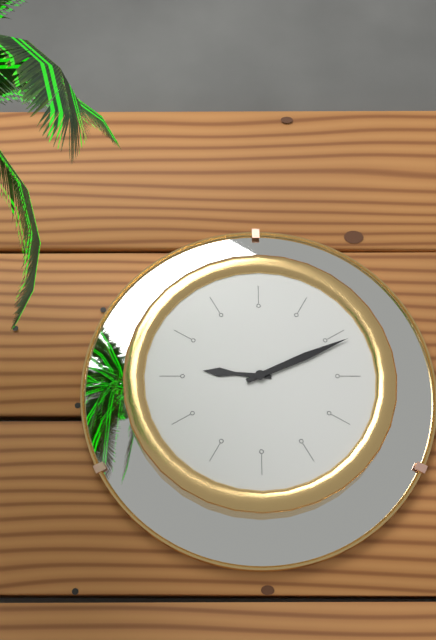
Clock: 9:11
